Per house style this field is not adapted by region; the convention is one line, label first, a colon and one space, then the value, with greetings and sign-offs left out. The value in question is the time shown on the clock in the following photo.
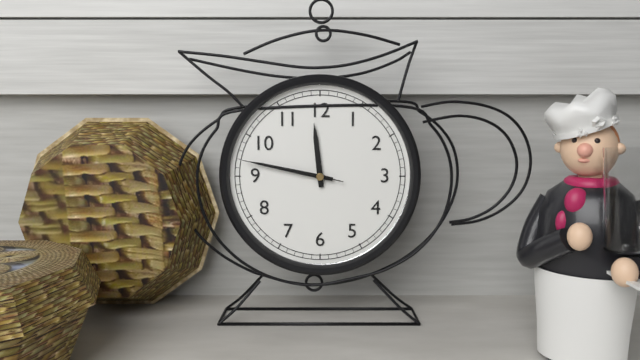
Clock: 11:47:47
